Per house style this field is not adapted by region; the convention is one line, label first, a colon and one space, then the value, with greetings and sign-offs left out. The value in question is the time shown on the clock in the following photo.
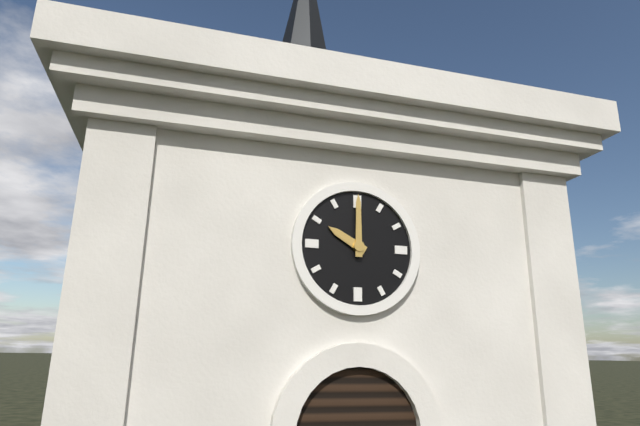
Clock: 10:00
